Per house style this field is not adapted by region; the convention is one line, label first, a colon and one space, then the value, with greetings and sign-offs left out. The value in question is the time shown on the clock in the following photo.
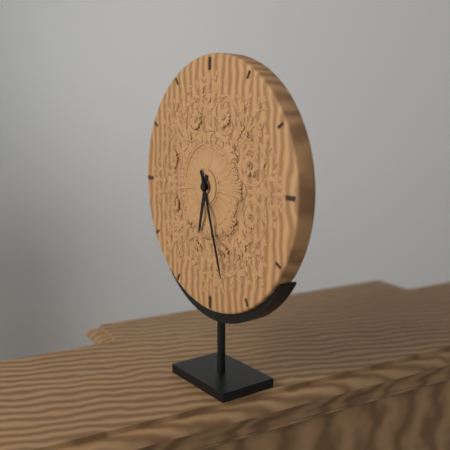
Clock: 6:27
